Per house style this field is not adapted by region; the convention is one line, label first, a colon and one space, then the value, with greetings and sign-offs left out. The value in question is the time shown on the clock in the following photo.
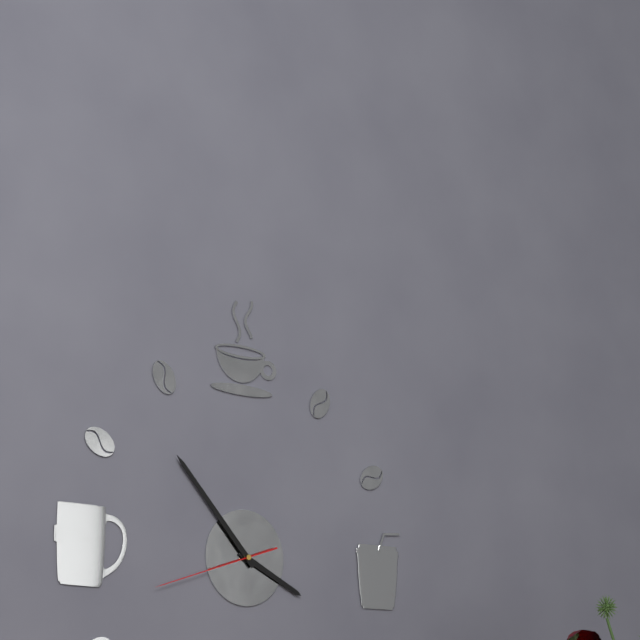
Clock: 3:53:42
